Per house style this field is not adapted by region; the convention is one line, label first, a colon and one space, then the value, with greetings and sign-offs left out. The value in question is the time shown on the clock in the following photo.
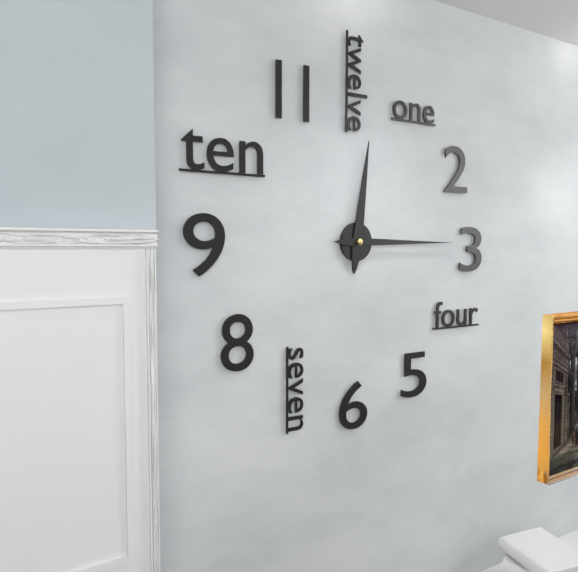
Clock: 12:15
